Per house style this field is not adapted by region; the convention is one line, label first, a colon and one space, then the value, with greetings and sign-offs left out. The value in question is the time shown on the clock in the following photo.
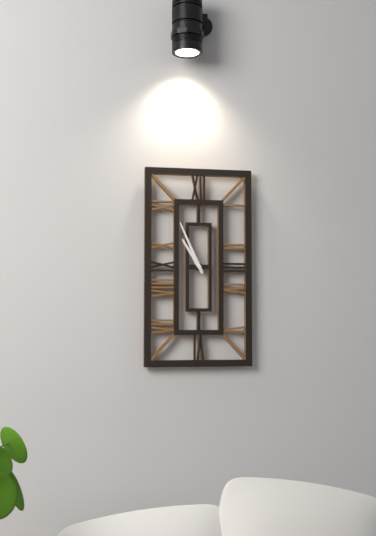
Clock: 10:56
